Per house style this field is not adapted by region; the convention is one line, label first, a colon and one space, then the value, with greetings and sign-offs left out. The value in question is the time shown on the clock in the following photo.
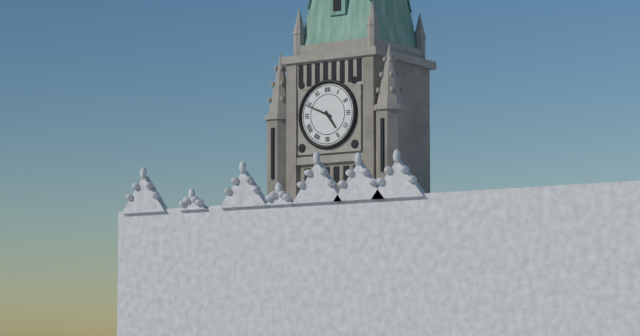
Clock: 4:49
